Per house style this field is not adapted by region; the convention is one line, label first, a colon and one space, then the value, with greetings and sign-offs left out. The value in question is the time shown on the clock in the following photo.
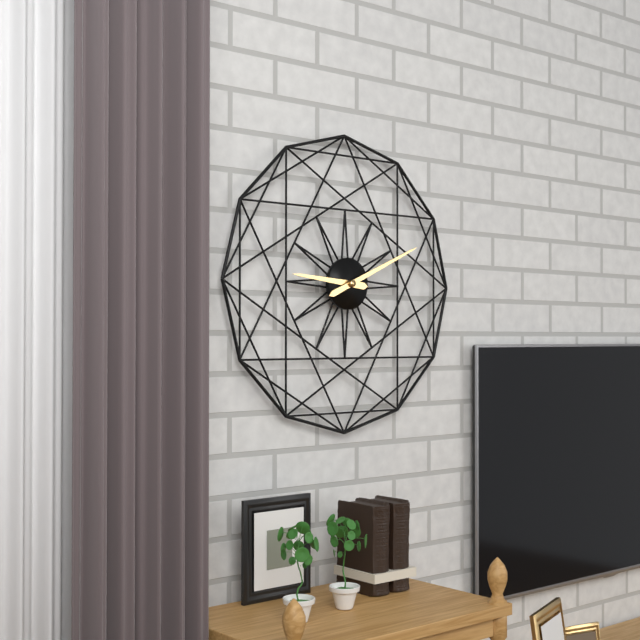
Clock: 9:11
